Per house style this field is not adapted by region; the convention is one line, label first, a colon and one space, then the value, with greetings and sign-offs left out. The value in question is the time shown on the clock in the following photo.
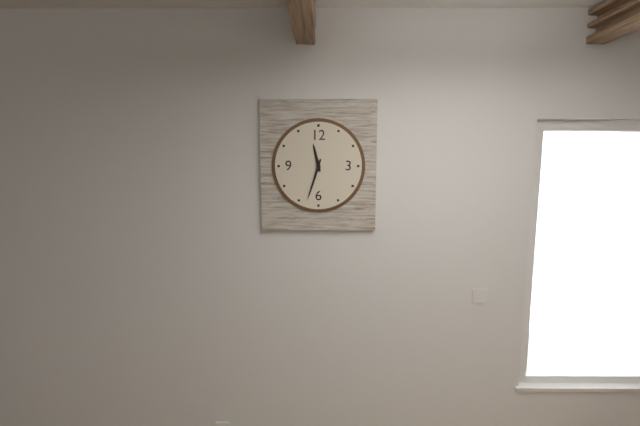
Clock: 11:33
